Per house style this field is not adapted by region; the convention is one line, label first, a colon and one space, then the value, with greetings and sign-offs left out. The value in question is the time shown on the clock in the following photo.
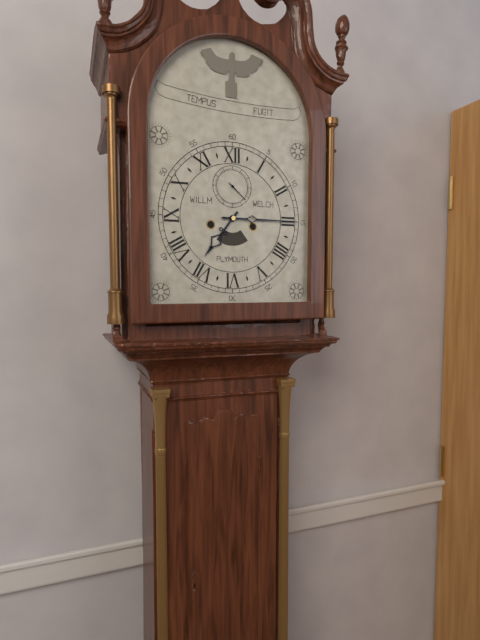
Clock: 7:15
